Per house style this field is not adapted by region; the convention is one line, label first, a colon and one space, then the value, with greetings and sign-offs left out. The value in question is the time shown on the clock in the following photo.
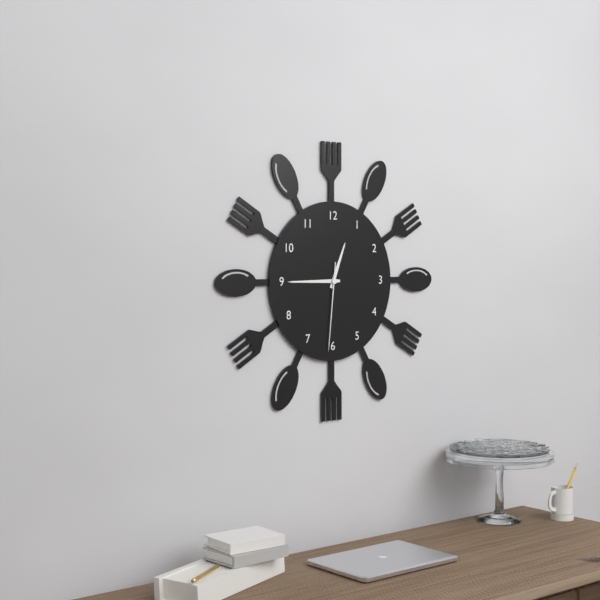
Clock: 12:45:31
